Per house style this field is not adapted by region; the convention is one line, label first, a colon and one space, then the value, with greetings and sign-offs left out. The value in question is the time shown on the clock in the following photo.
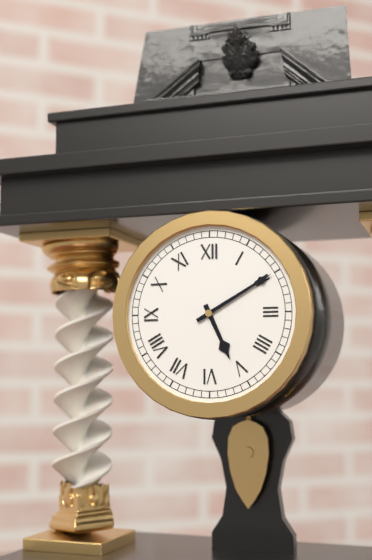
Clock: 5:10
